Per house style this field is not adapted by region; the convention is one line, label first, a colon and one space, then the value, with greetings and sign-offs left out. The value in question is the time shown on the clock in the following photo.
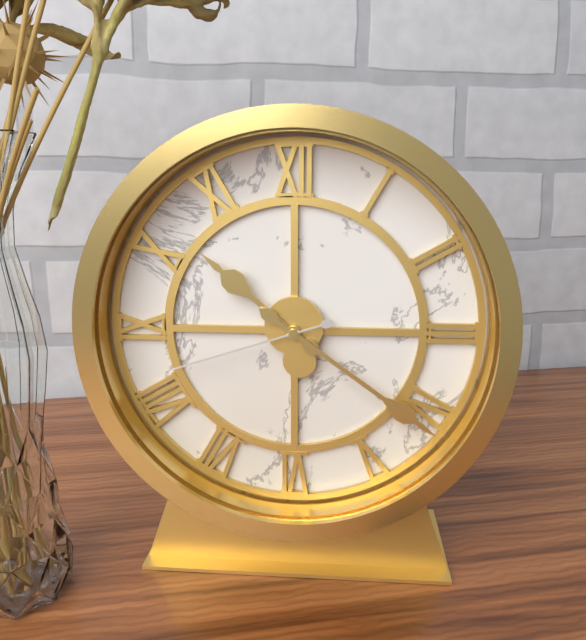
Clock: 10:21:42
